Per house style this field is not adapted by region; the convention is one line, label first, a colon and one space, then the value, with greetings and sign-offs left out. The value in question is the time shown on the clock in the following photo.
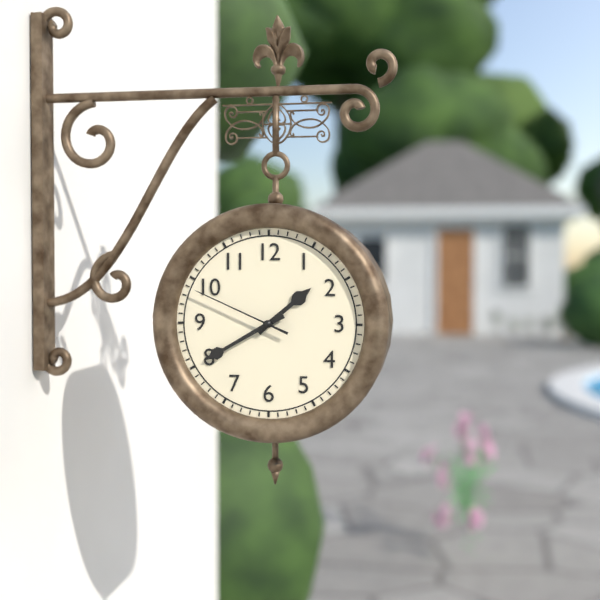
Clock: 1:40:49
